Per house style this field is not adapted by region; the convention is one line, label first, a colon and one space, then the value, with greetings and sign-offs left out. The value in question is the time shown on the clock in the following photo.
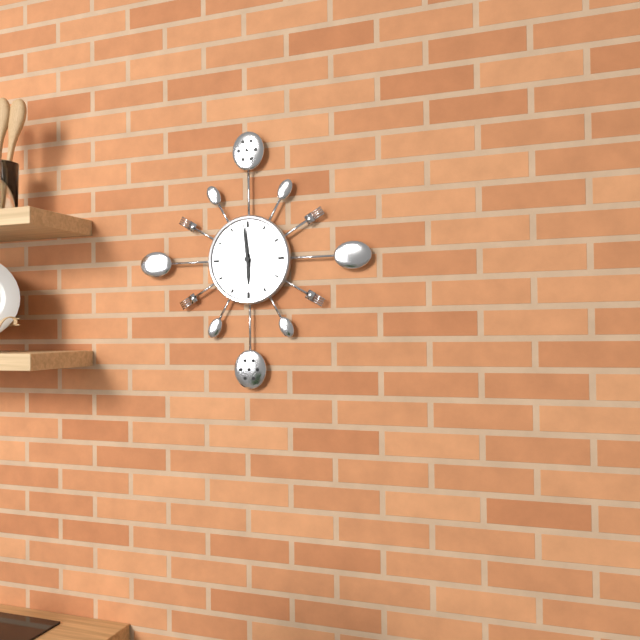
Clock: 5:59
